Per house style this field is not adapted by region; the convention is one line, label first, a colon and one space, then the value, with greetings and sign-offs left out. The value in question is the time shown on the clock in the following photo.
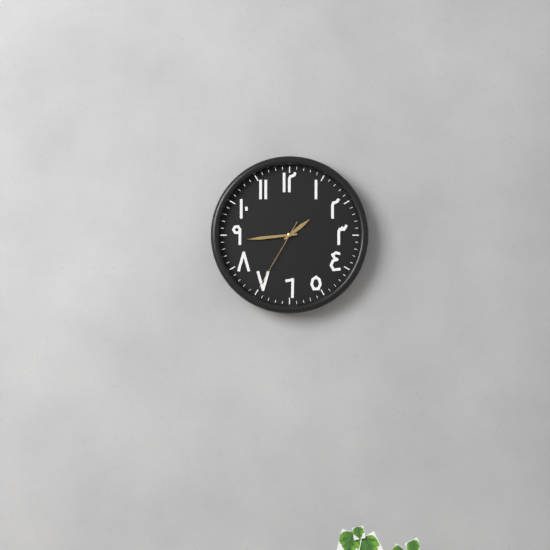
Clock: 1:44:35
